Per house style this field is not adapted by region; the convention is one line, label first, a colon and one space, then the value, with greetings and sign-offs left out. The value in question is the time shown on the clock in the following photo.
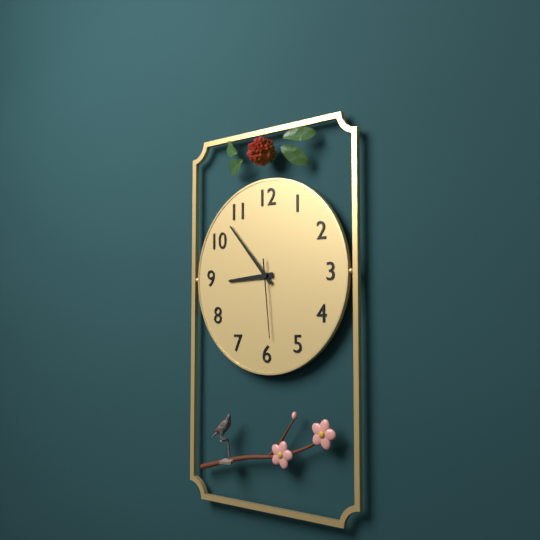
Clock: 8:53:29
